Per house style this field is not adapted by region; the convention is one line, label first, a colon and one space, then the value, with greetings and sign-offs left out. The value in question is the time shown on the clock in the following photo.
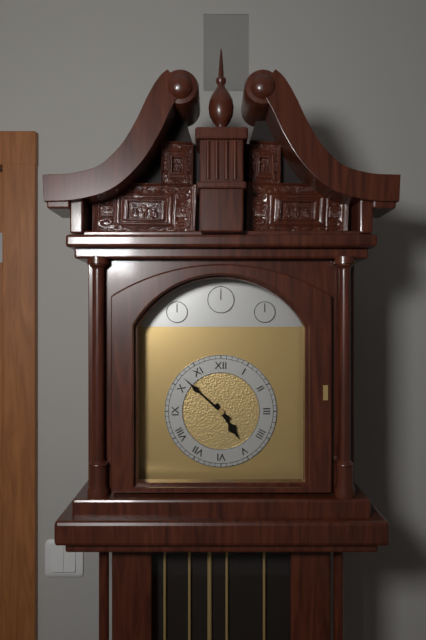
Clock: 4:52
